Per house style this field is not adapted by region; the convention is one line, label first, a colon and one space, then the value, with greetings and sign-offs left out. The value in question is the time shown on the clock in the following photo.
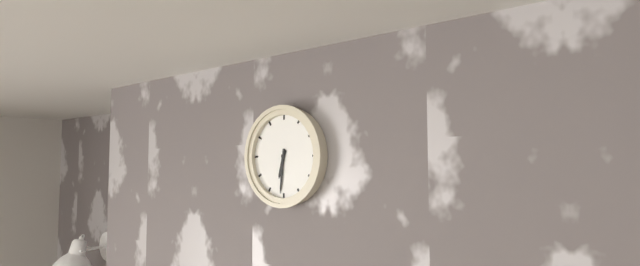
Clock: 6:31
